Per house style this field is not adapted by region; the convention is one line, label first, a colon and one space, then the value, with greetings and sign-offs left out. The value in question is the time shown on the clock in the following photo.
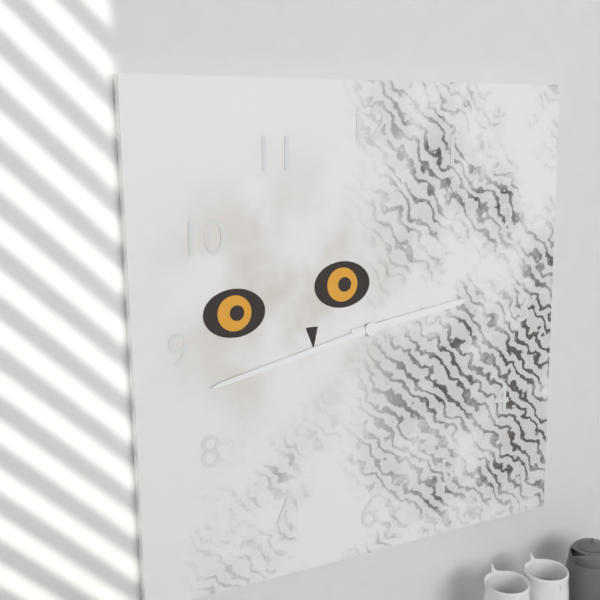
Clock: 2:43
